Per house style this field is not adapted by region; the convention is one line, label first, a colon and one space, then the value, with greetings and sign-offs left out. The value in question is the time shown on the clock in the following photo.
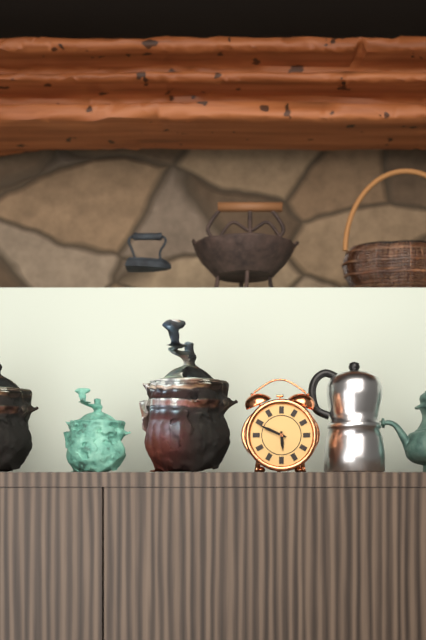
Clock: 5:49
